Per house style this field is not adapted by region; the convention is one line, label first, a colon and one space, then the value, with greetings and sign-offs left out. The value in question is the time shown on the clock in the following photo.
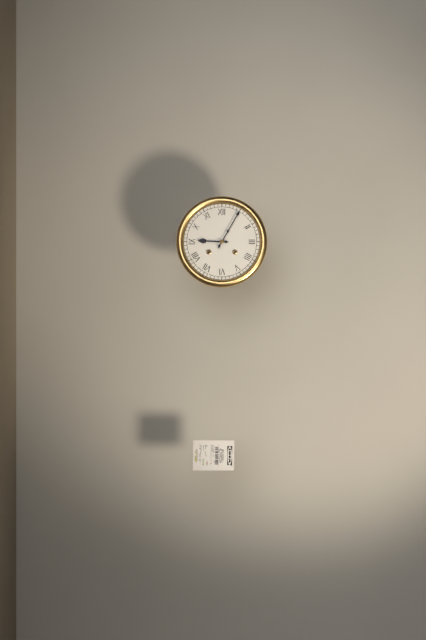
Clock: 9:05
